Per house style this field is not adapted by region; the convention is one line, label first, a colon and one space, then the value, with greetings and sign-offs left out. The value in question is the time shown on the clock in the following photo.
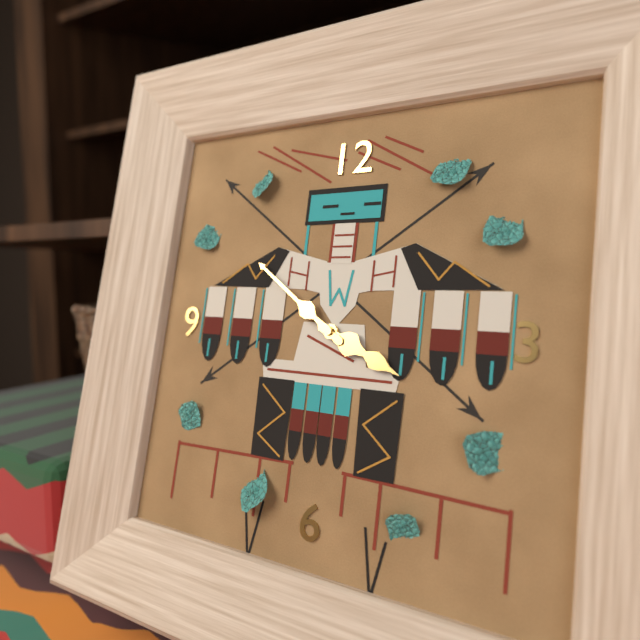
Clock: 3:51
